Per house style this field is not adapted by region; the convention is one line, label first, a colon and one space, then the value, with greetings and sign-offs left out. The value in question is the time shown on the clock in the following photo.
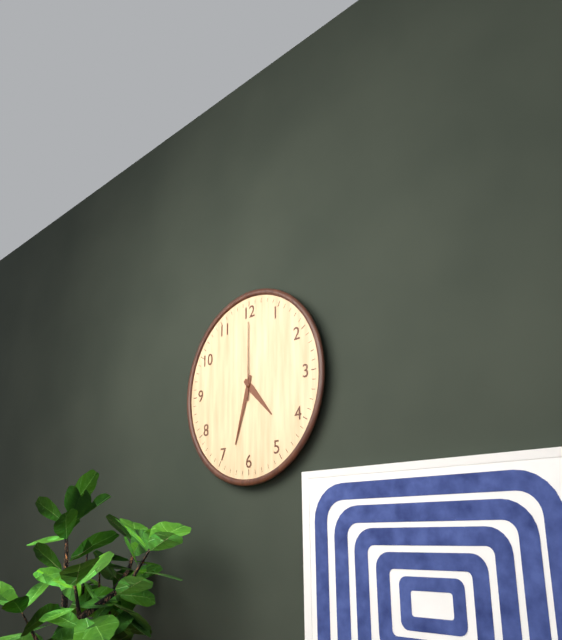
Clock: 4:33:00
